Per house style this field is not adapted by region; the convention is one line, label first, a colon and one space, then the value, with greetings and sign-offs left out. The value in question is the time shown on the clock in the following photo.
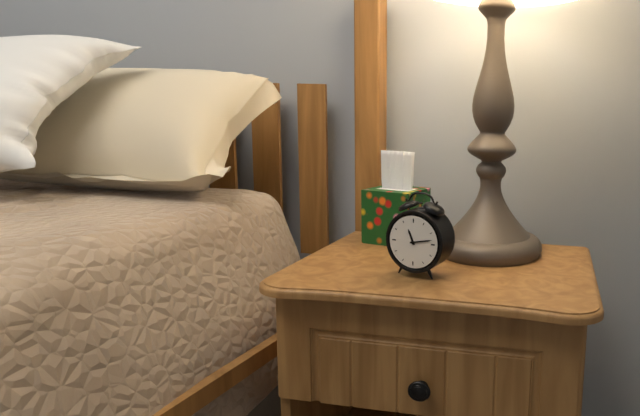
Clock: 11:13
